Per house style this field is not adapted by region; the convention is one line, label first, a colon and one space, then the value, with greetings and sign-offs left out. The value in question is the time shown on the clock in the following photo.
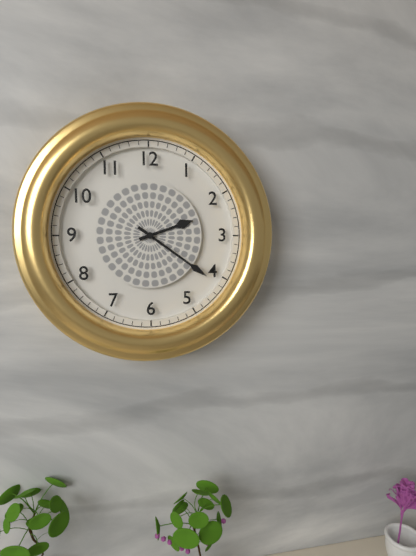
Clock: 2:21
